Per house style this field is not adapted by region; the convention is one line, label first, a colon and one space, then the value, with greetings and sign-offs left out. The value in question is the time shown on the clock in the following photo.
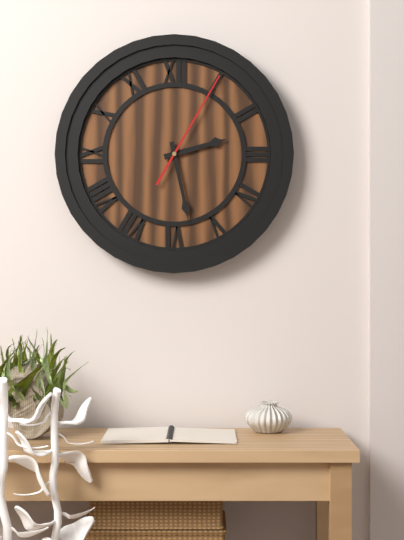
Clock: 2:28:05
